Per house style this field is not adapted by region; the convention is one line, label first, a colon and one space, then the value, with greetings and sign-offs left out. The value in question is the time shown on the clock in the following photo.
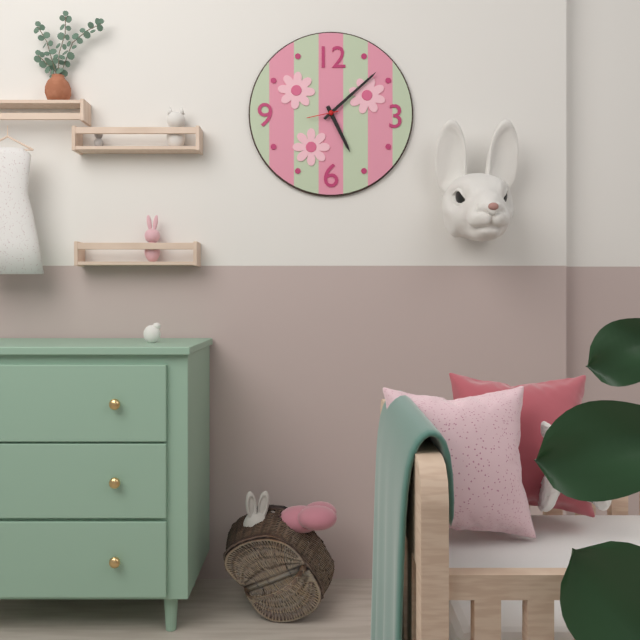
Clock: 5:08
